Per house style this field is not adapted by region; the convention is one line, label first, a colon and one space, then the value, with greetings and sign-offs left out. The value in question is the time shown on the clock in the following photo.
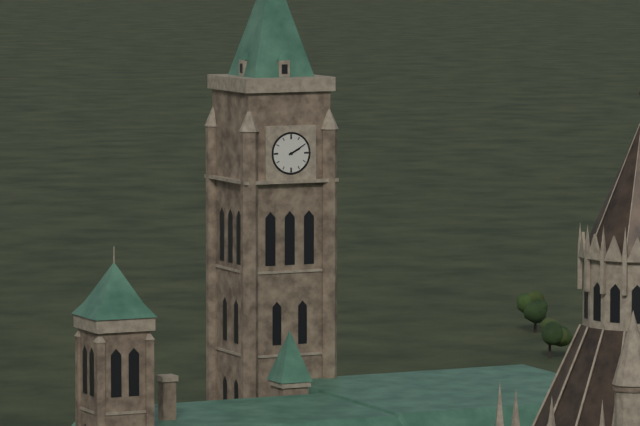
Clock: 2:10
